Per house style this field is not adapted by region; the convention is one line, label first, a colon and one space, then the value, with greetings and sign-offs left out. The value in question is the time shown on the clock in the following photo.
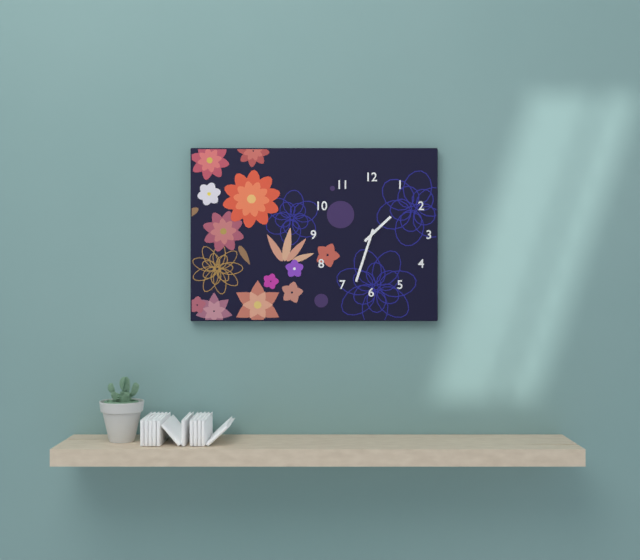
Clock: 1:33
